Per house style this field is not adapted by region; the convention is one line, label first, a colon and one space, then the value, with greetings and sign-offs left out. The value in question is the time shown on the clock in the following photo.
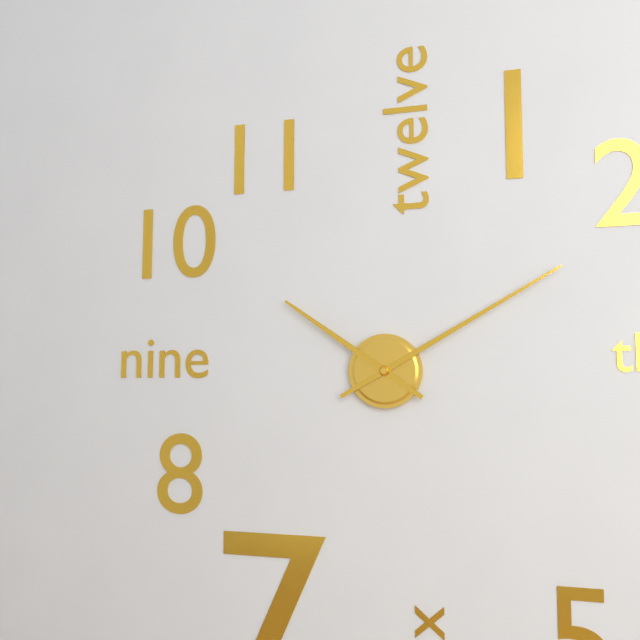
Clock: 10:10
